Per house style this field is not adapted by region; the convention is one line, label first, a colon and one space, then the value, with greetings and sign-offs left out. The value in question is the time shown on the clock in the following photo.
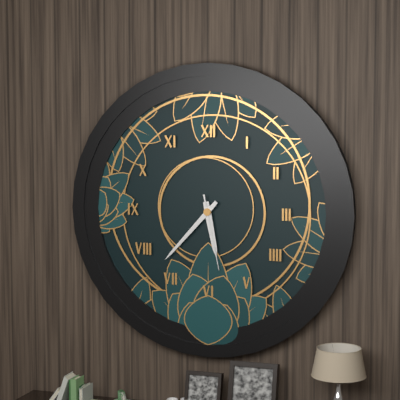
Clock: 5:37:28
